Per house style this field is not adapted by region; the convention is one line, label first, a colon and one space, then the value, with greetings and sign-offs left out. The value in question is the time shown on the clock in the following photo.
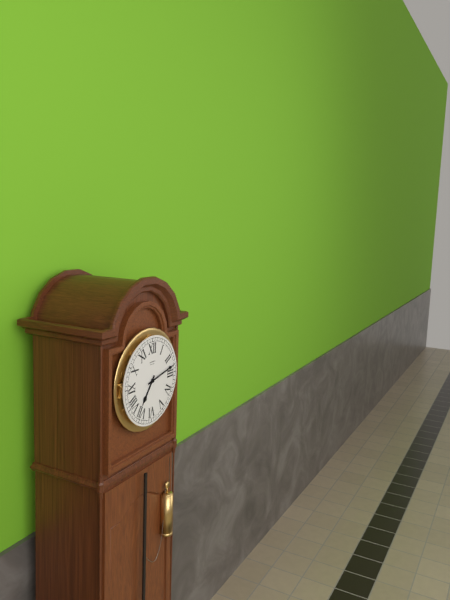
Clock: 7:13
